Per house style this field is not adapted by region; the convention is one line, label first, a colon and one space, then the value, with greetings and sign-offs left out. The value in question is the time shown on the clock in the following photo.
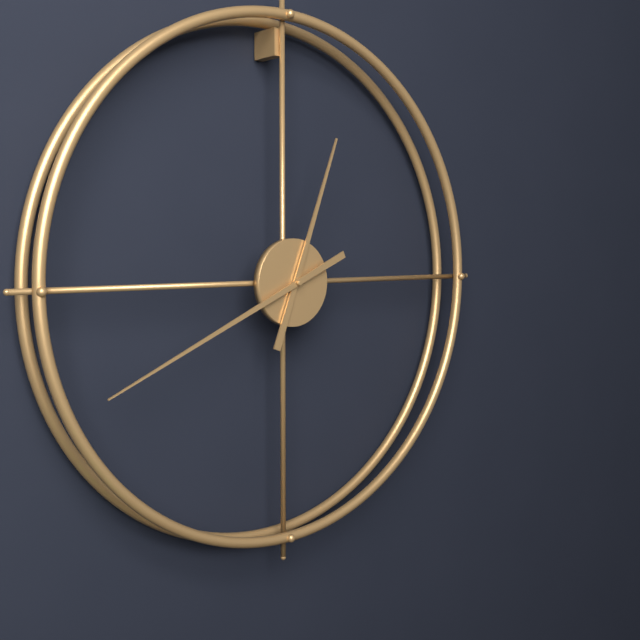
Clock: 12:41
